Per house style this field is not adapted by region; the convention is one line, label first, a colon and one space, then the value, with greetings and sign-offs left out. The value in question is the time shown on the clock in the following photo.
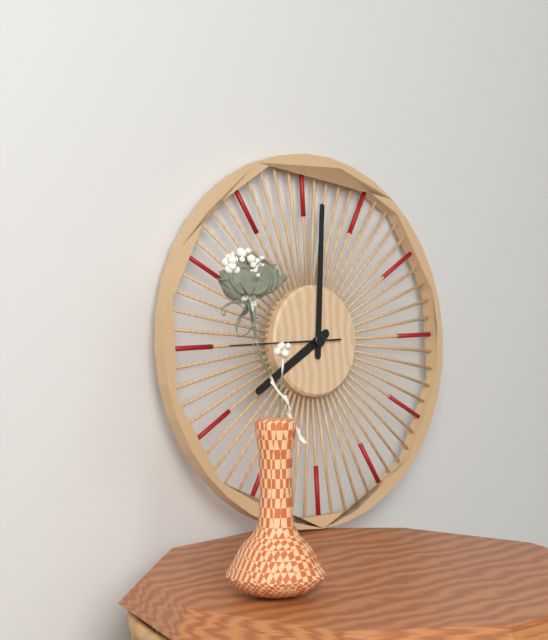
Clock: 8:01:45
